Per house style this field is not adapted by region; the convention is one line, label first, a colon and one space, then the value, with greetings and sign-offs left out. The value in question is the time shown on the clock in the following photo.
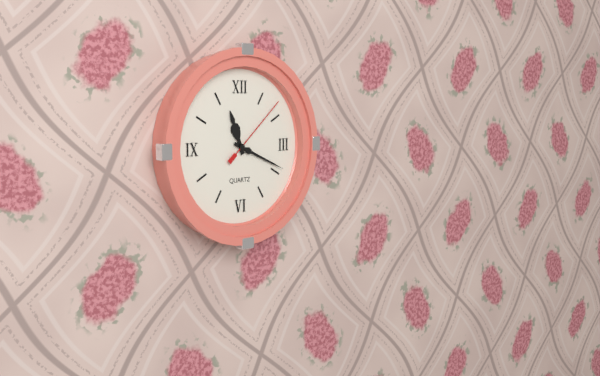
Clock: 11:19:08
